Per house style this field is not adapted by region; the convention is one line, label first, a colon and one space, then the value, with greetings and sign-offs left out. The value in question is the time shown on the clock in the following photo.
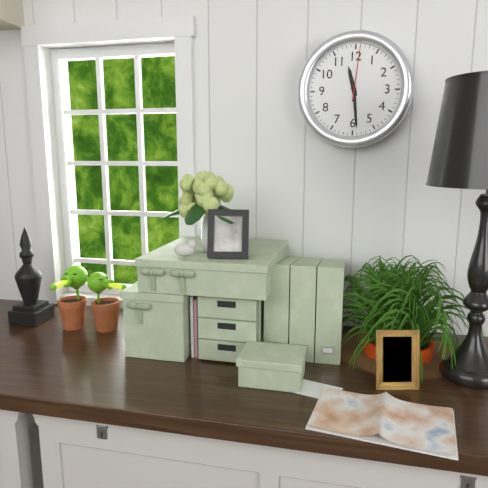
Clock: 11:29:01
